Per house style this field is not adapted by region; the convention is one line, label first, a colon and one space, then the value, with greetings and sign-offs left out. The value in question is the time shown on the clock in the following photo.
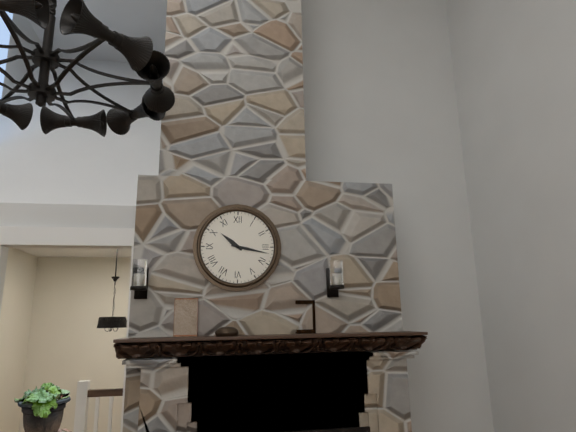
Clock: 10:17
